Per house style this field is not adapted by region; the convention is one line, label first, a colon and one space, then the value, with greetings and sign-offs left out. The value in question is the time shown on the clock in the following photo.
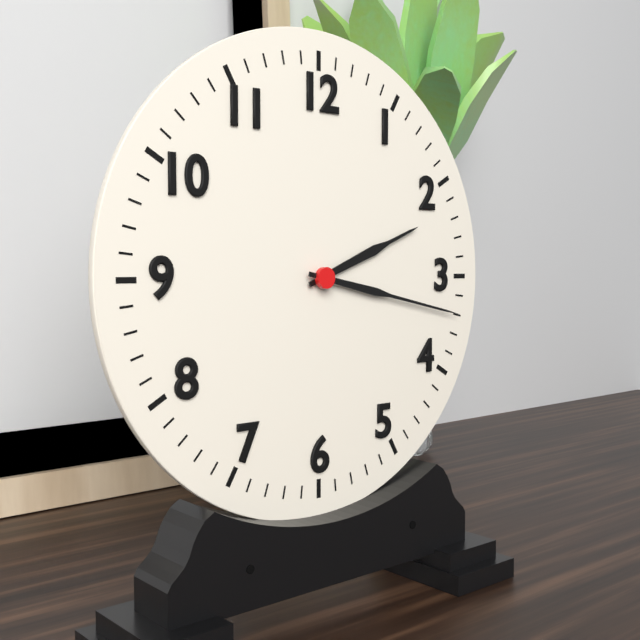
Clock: 2:17
